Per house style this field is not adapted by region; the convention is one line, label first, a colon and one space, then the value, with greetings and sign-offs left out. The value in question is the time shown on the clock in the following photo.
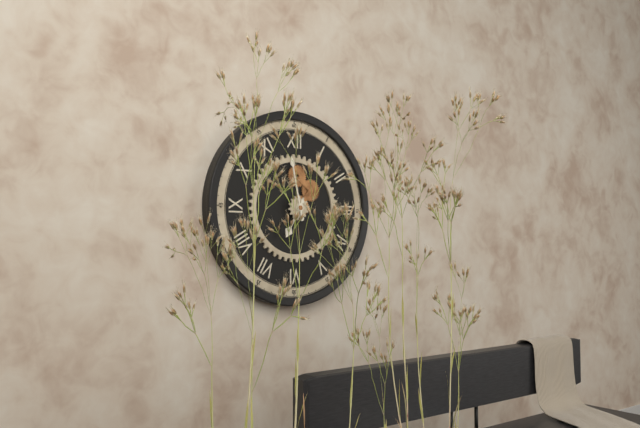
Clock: 6:58
